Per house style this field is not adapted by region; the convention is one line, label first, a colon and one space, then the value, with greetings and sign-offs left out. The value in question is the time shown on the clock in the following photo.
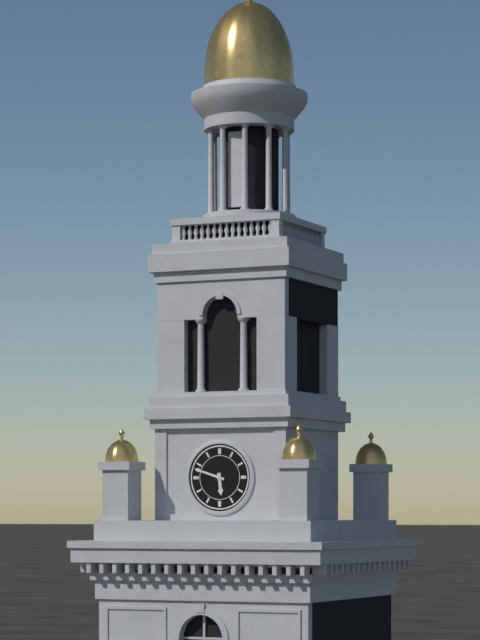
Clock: 5:48
